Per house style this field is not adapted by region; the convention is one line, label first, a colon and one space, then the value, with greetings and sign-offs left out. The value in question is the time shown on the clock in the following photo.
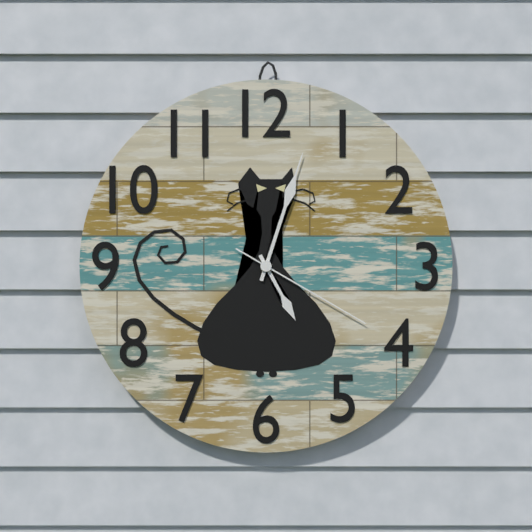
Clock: 5:03:20
